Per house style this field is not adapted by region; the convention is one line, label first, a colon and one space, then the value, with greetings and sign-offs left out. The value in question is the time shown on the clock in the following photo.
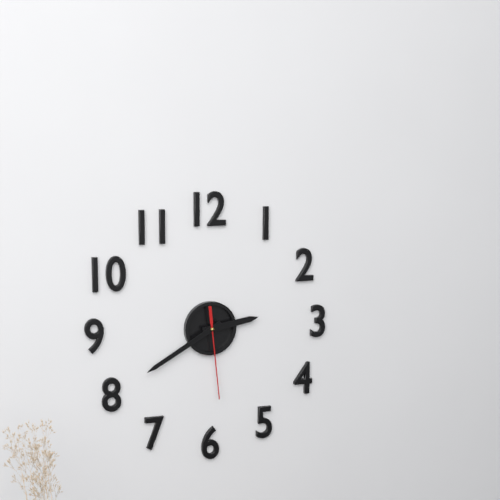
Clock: 2:40:29
